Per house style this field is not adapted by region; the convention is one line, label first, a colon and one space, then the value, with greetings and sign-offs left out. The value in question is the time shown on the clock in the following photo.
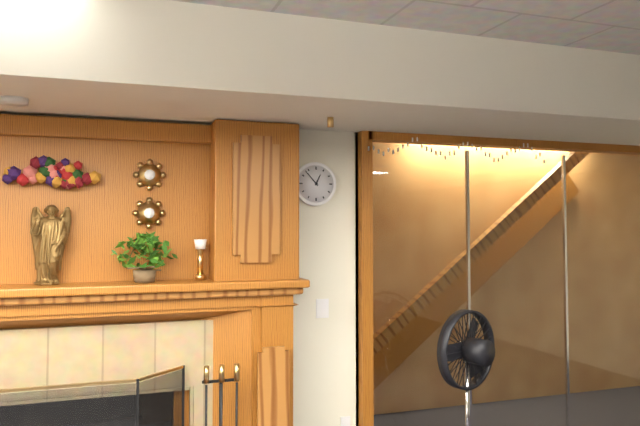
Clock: 12:53
